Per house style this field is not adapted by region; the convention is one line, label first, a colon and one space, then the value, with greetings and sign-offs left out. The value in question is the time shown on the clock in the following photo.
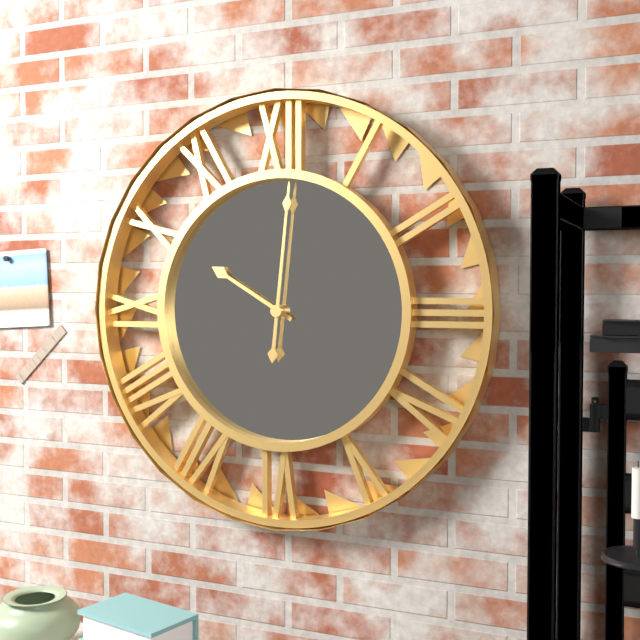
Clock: 10:01
